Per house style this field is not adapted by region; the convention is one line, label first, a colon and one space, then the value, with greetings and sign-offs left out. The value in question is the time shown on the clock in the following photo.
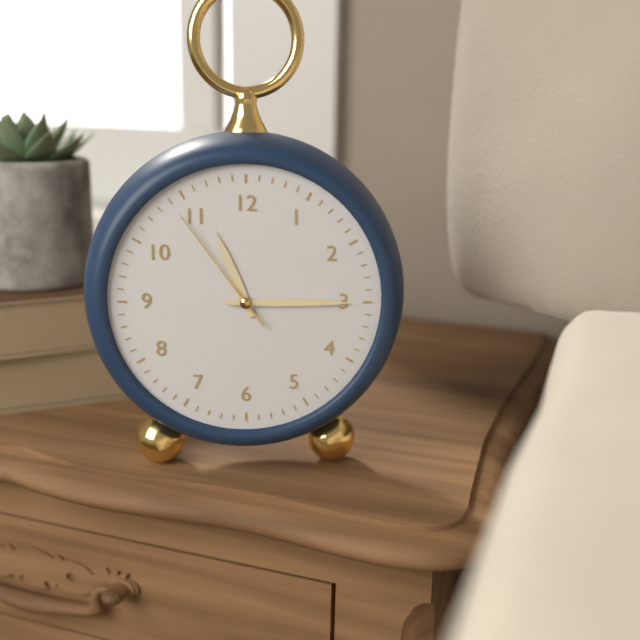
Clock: 11:15:54
